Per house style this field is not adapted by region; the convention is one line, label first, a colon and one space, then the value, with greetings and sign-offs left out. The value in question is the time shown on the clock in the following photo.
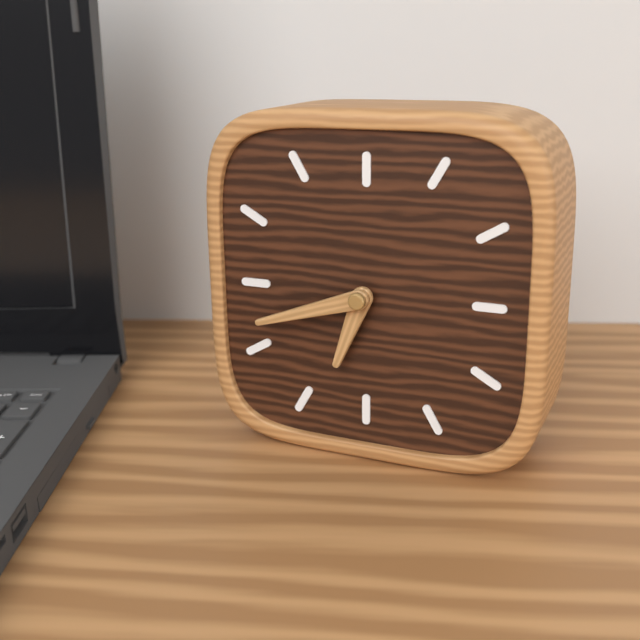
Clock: 6:42
